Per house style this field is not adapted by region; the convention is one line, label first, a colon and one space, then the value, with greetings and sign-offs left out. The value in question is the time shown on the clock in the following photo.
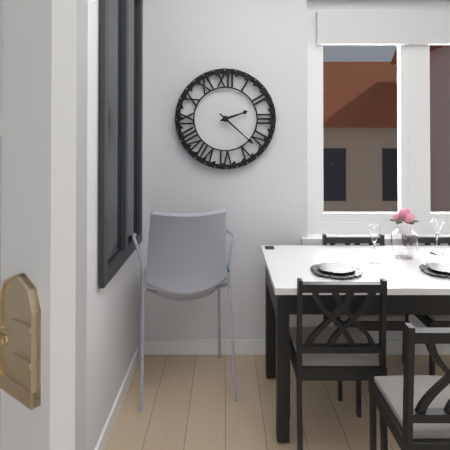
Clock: 2:22
